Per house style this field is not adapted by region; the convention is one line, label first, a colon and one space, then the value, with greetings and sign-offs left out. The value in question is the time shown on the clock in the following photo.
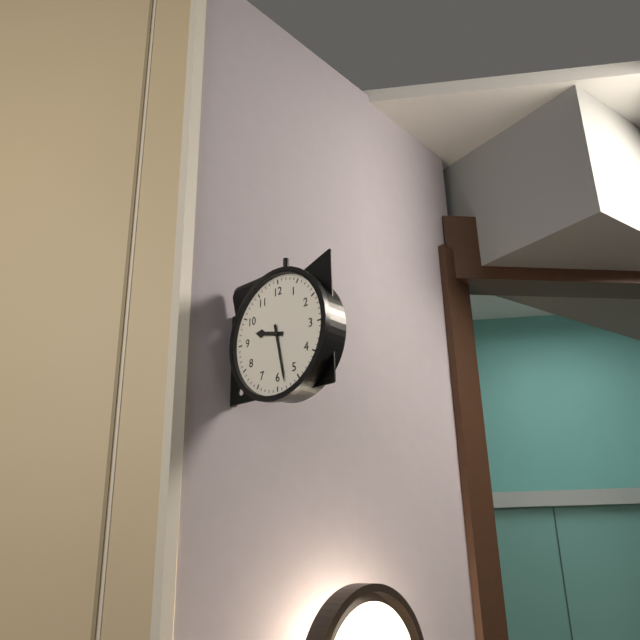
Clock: 9:28
